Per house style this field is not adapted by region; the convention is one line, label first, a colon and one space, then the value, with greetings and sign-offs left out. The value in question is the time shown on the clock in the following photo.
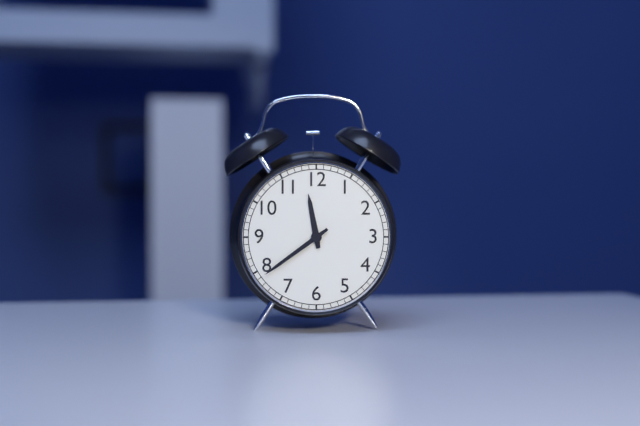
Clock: 11:39
